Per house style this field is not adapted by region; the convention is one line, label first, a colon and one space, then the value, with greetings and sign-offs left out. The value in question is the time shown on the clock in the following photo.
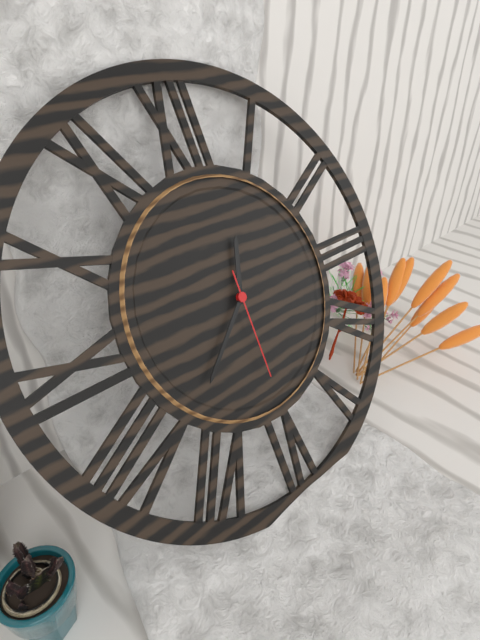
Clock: 12:38:30
